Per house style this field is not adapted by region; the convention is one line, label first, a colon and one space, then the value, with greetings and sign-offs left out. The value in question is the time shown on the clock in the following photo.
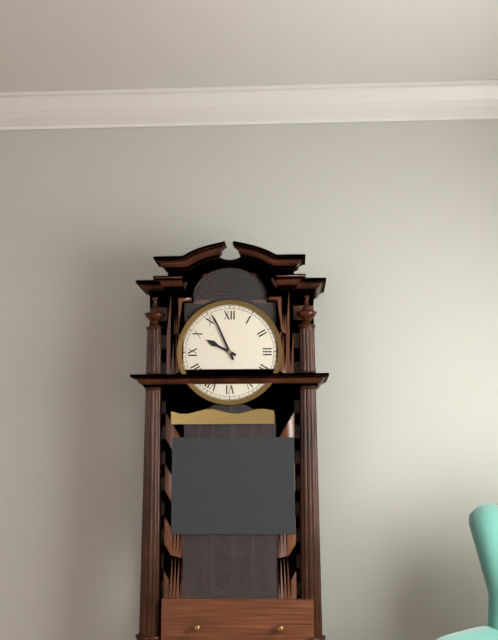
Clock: 9:56
